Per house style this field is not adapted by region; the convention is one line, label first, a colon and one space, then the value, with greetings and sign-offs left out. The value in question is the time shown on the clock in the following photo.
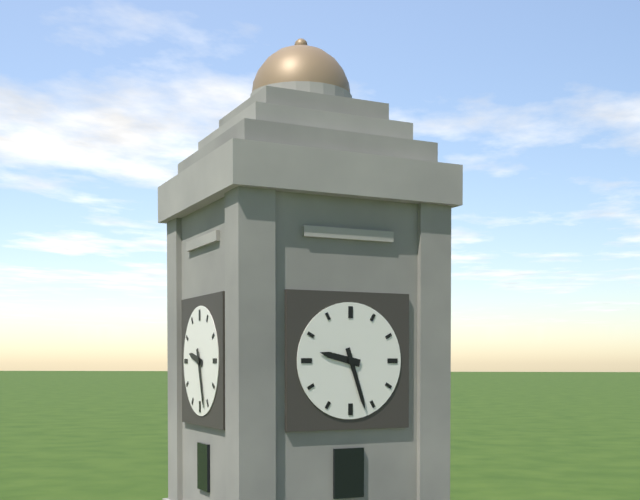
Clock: 9:27
